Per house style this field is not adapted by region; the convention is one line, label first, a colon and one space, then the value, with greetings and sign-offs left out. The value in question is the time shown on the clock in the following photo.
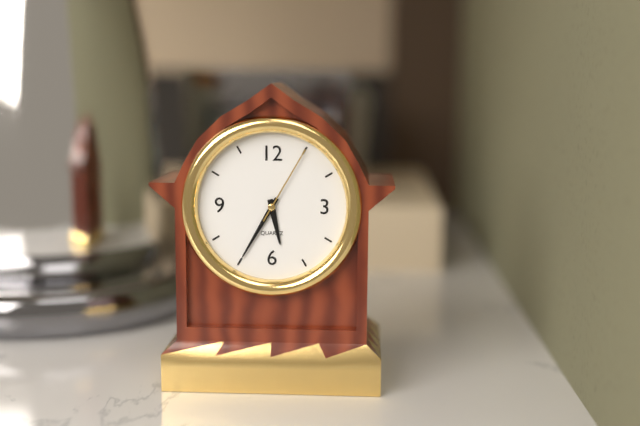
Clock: 5:35:05
